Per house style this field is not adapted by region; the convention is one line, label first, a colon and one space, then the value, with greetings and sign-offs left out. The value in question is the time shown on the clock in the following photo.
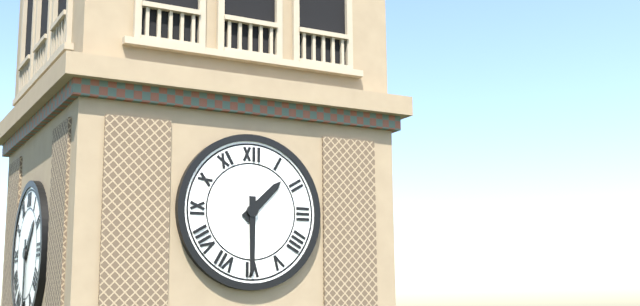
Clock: 1:30
